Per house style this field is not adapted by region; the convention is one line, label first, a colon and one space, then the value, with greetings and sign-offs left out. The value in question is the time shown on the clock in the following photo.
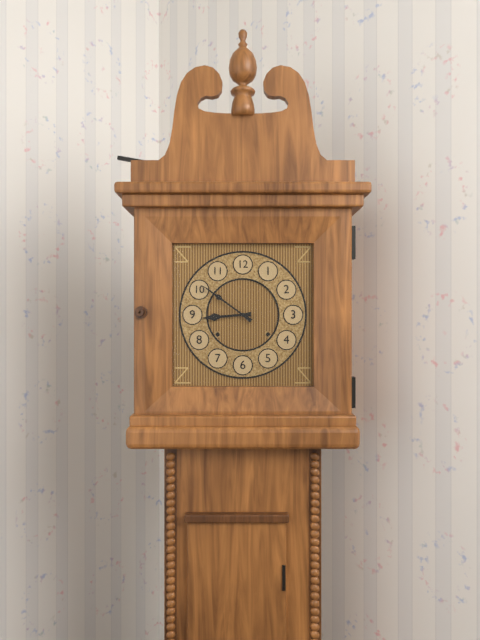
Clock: 8:51
